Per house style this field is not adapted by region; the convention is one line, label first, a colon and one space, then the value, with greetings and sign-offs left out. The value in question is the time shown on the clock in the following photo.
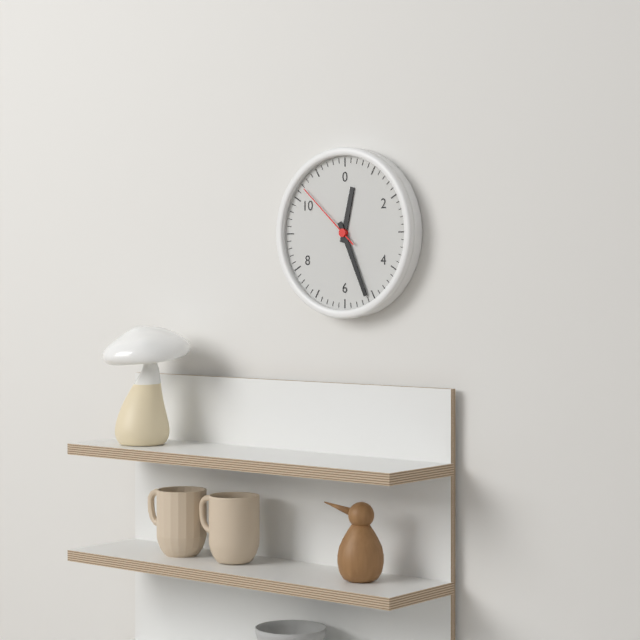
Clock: 12:26:52
